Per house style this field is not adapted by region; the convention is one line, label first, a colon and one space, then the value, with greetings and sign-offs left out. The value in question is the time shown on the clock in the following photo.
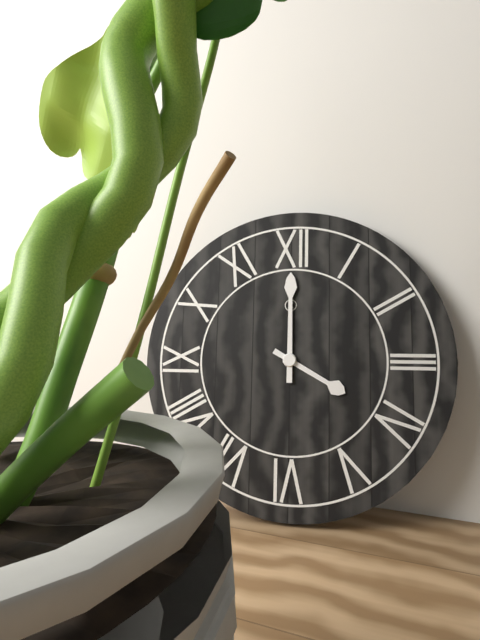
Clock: 4:00
